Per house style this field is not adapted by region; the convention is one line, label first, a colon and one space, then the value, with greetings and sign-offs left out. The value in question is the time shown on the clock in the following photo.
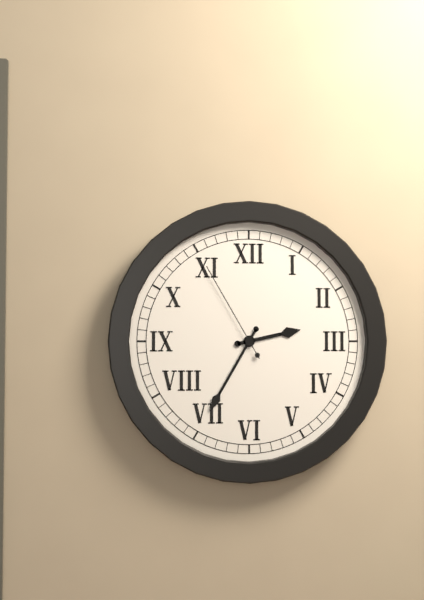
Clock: 2:35:55
